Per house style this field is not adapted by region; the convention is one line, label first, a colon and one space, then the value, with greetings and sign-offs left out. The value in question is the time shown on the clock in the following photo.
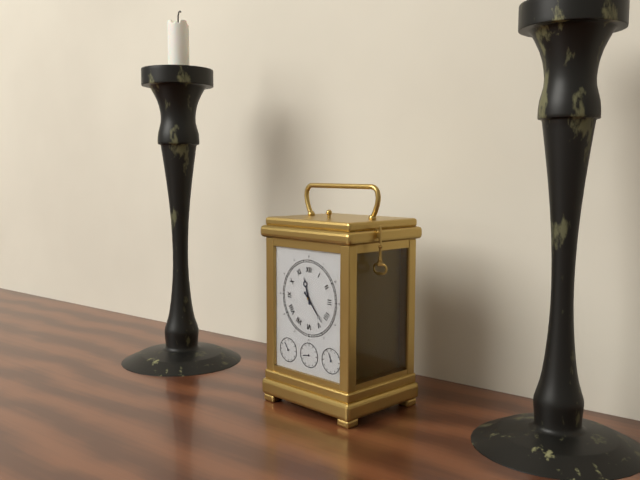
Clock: 11:23
